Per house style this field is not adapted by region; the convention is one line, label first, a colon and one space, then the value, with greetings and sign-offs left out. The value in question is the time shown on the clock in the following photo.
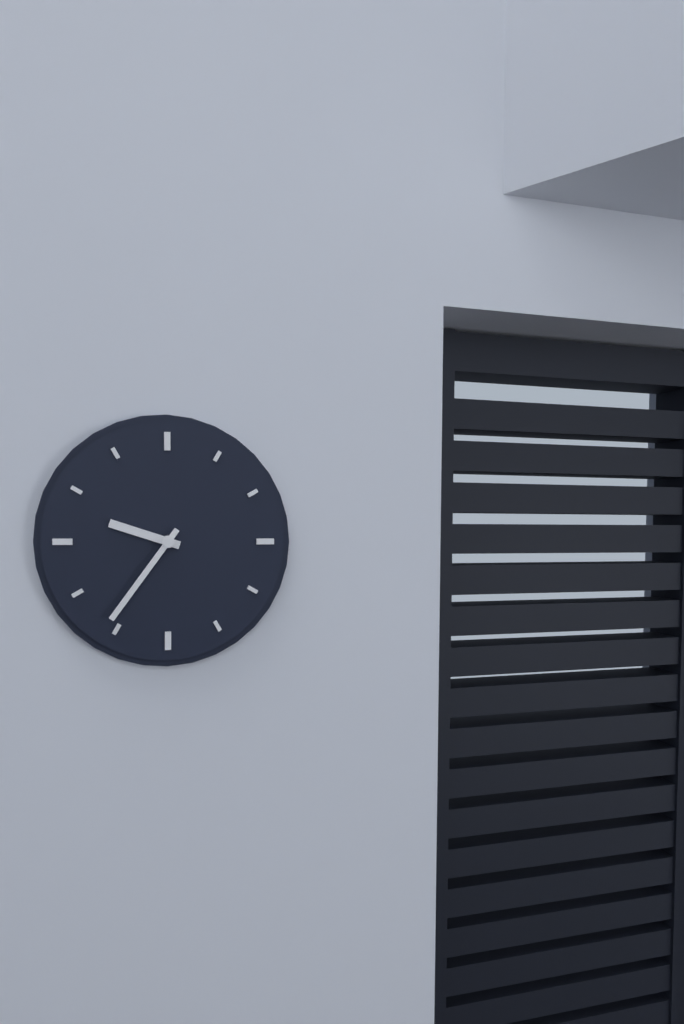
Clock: 9:36
